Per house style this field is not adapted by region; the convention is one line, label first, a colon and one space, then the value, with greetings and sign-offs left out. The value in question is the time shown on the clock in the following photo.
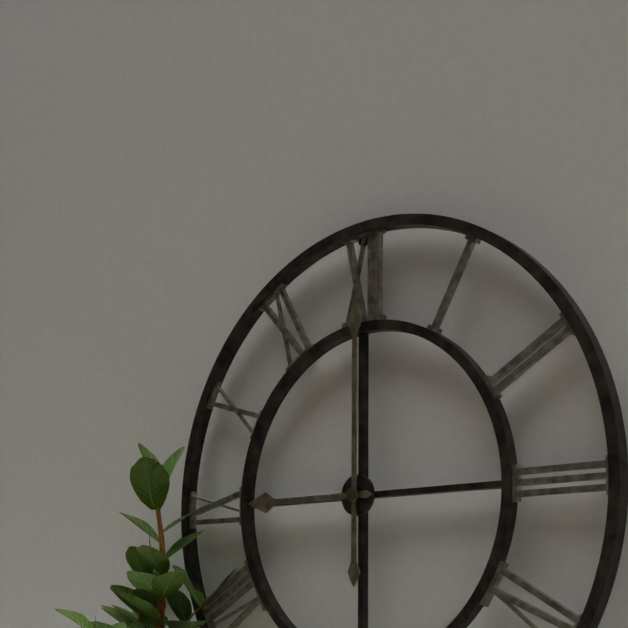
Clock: 9:00
